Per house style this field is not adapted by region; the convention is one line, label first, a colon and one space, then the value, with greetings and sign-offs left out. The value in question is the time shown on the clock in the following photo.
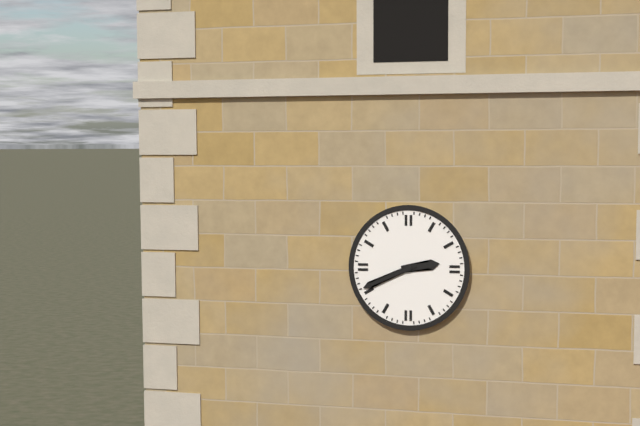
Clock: 2:41
